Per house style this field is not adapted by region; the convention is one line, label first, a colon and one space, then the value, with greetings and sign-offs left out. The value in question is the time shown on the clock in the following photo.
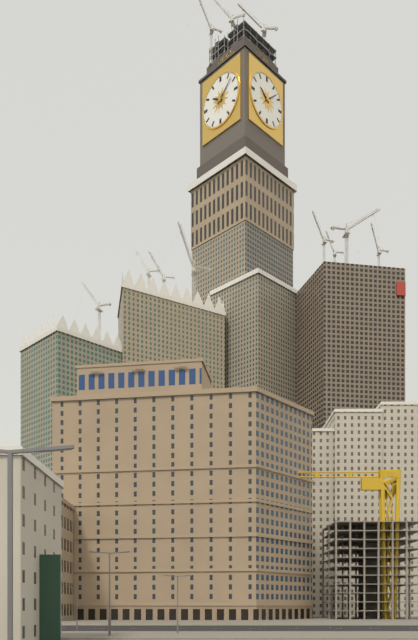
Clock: 10:08
